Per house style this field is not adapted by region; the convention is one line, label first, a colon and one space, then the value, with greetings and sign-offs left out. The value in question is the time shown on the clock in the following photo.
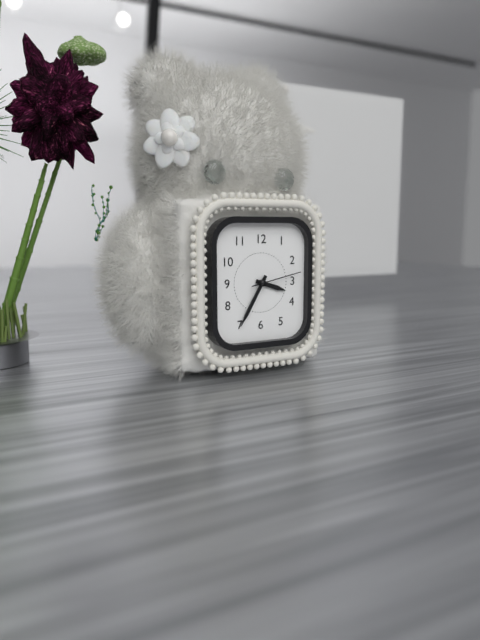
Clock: 3:35:13
